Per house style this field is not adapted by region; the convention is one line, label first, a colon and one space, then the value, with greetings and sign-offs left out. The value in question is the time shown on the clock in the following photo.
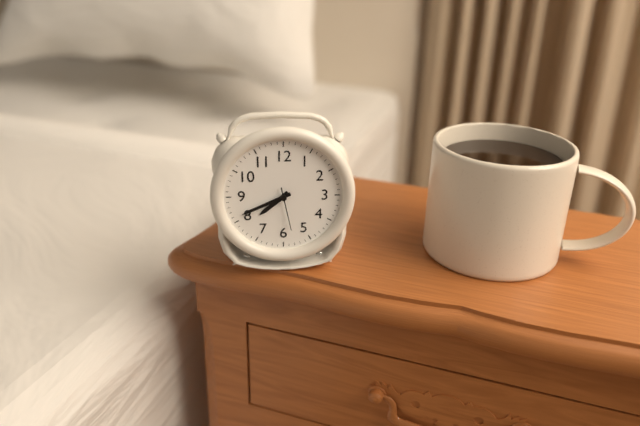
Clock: 7:41
